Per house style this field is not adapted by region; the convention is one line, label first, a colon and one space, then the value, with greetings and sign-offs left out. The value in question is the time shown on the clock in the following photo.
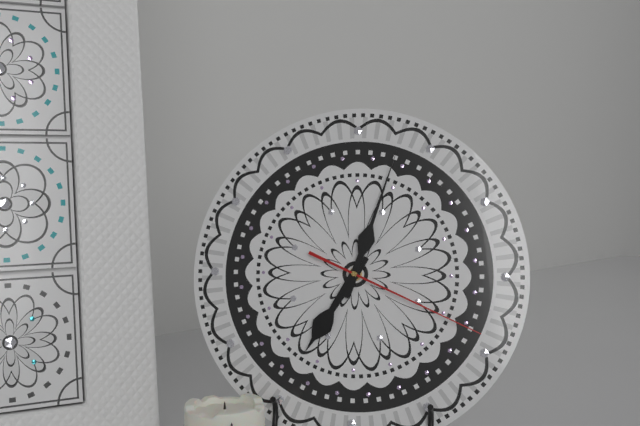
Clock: 7:03:19
